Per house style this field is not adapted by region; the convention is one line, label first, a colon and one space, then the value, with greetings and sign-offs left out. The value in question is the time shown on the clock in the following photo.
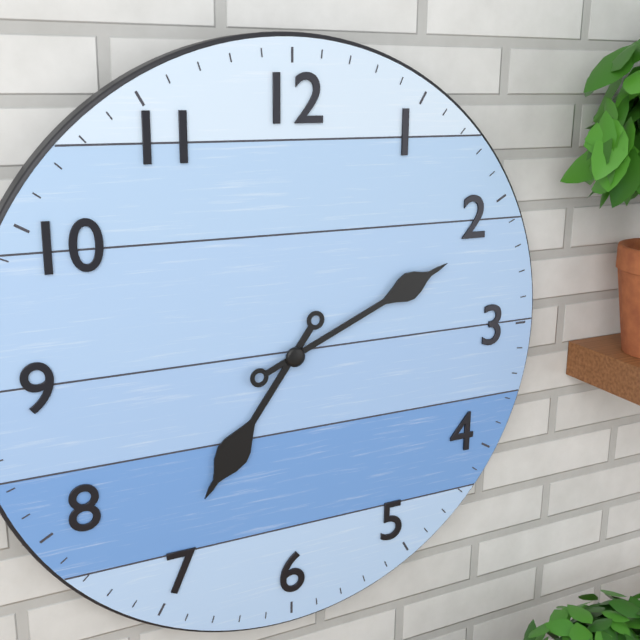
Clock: 7:11
